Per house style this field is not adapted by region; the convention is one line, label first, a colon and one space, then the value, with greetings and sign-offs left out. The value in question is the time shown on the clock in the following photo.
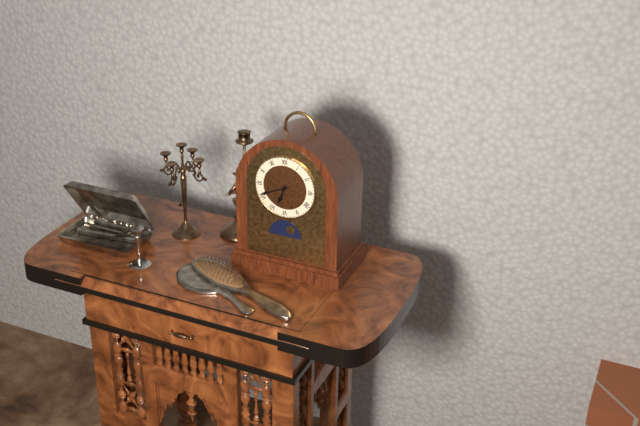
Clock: 6:41
